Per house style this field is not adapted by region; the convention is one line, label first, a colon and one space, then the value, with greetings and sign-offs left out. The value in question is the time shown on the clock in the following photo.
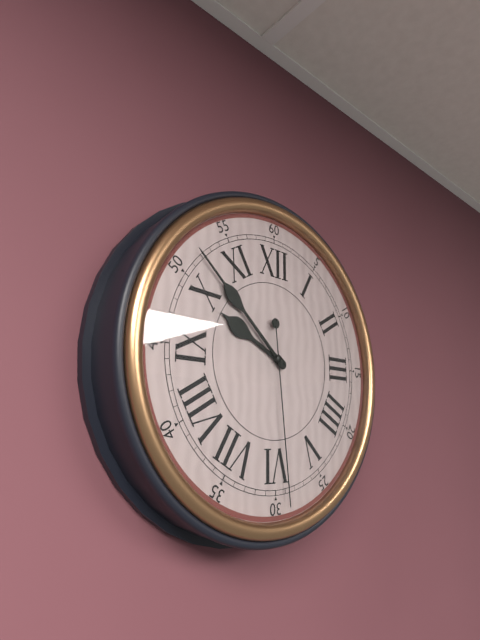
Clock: 9:52:29
